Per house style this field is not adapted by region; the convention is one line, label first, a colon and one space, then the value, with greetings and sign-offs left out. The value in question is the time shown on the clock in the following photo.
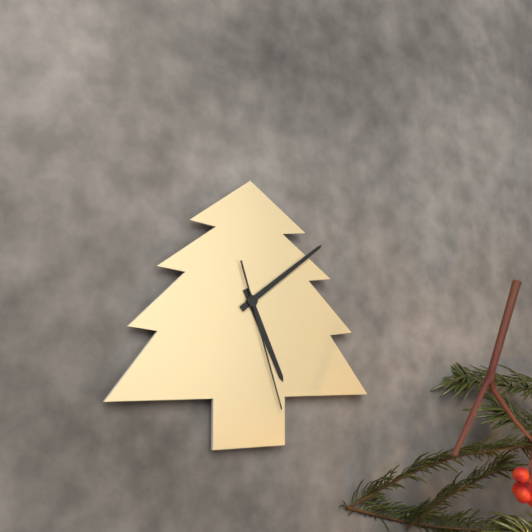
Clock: 5:09:27
